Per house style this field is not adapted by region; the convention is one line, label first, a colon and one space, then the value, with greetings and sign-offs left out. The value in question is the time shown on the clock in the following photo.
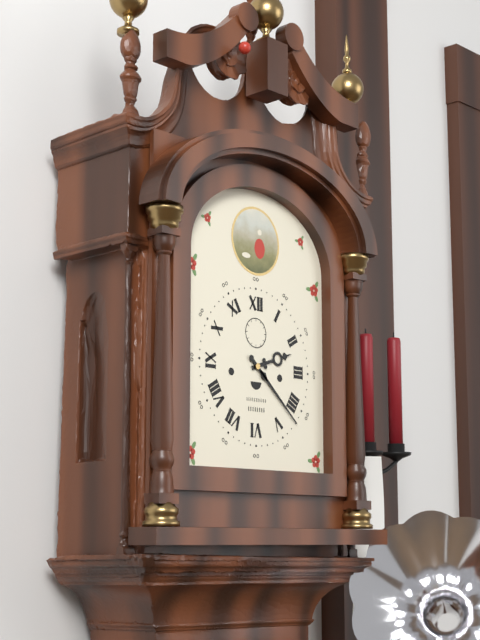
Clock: 2:22
